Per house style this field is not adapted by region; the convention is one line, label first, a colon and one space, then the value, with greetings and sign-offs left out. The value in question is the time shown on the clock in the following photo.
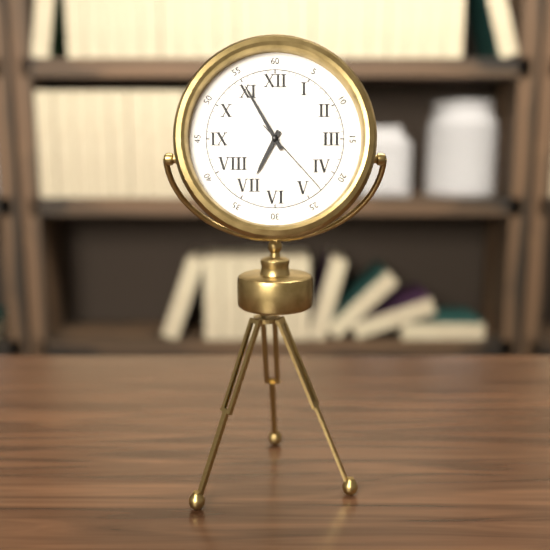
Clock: 6:55:23
